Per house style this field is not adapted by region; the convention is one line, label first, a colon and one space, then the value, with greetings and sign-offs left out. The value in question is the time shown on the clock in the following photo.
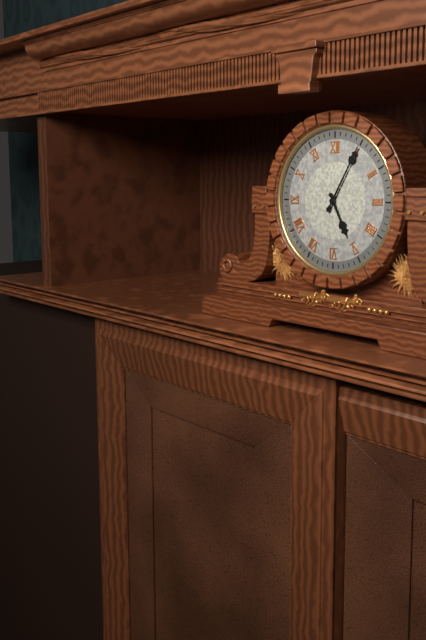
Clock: 5:05
